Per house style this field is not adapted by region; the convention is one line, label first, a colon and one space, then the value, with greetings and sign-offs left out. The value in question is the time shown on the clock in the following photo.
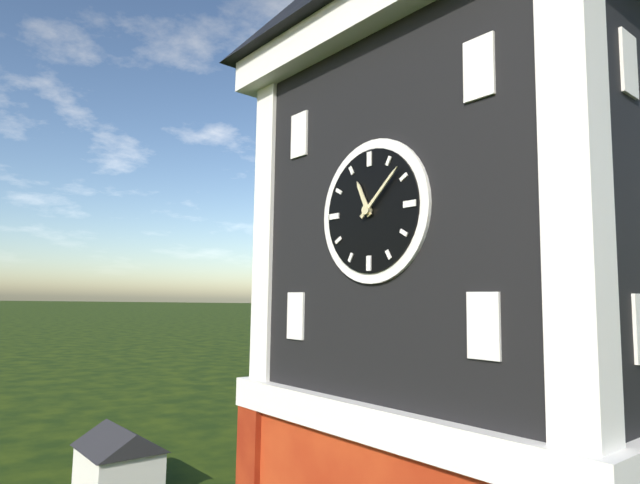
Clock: 11:08
